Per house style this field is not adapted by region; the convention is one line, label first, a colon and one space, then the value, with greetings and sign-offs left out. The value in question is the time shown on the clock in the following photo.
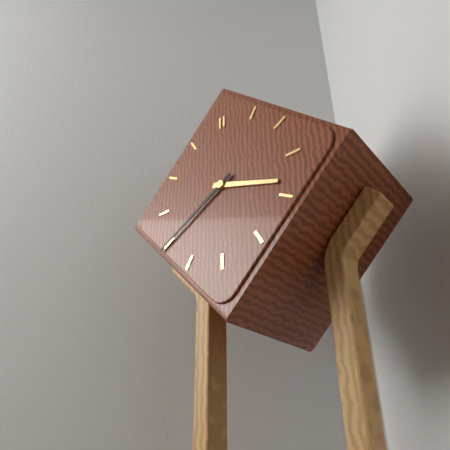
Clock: 3:40
